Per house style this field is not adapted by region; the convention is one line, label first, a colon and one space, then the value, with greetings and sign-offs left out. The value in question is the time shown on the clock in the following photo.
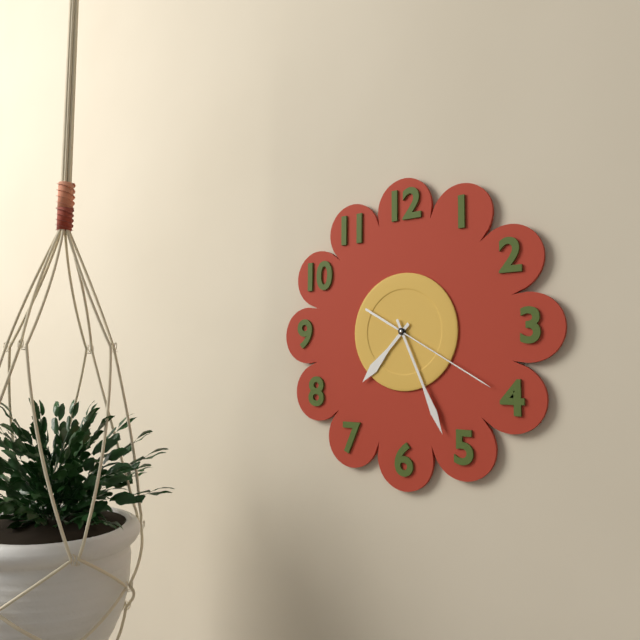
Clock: 7:26:20
